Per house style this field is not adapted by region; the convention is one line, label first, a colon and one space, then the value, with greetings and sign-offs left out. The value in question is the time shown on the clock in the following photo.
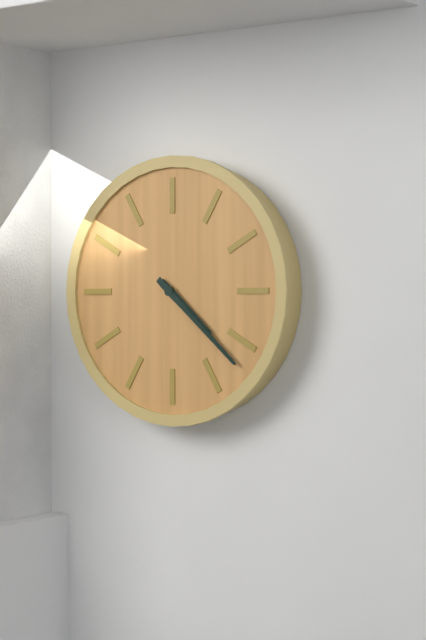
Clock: 4:22
